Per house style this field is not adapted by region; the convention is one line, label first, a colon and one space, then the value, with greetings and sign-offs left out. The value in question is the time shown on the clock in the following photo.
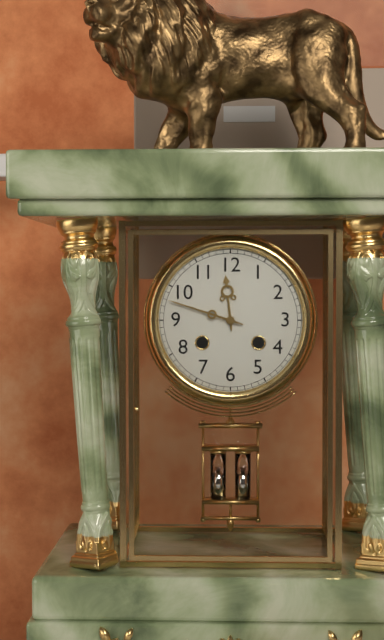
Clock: 11:48
